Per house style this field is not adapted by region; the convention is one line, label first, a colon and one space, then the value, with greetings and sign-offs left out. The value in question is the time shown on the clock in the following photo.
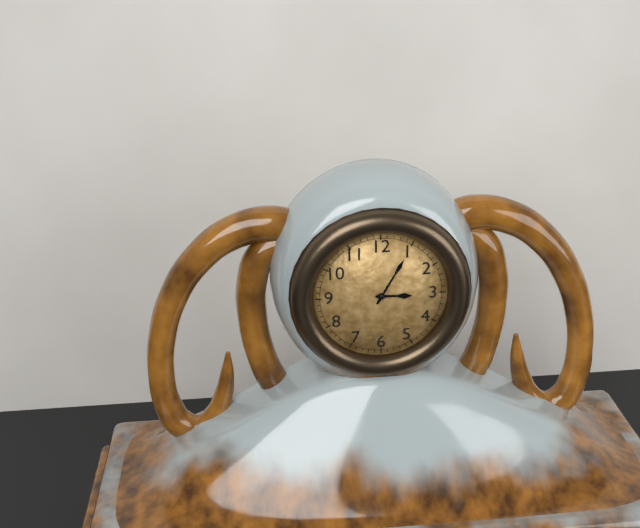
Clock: 3:05
